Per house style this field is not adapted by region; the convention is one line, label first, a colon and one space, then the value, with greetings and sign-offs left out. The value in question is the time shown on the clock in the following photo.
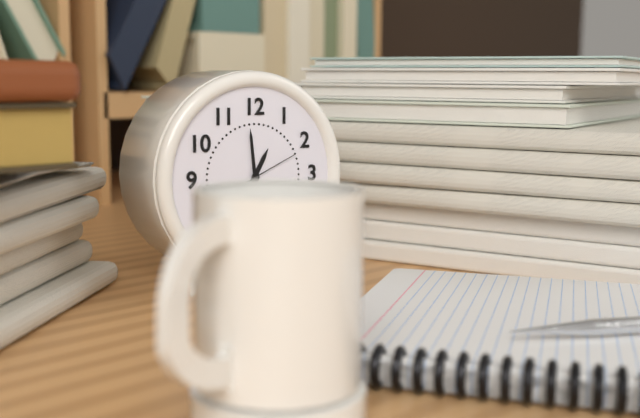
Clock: 12:59:11
